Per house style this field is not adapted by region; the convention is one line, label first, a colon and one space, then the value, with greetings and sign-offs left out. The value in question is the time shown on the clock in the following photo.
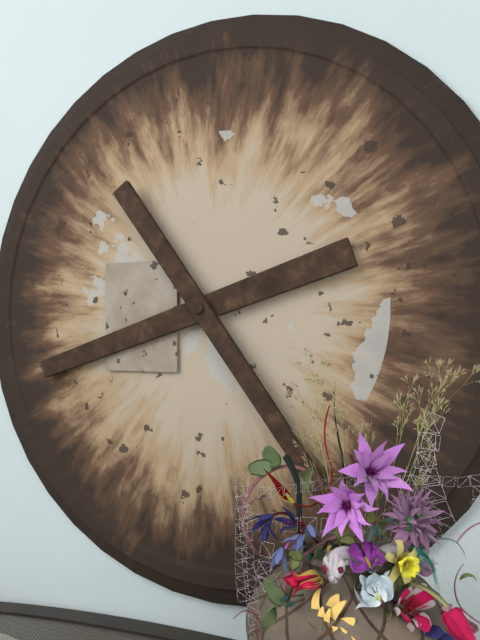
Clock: 8:24
